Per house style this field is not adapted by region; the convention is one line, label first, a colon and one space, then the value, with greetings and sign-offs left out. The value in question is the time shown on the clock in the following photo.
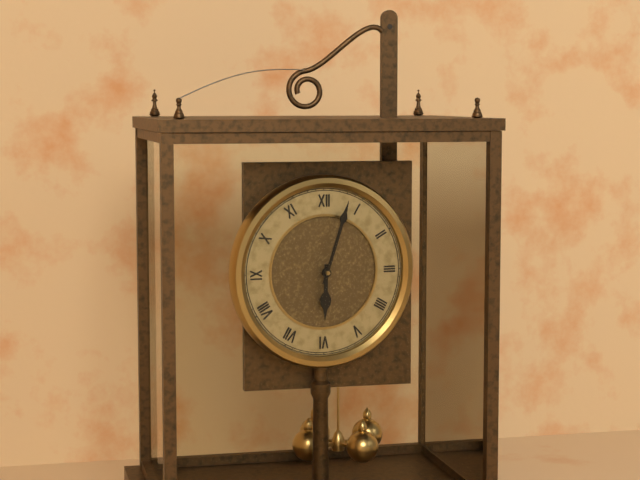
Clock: 6:03
